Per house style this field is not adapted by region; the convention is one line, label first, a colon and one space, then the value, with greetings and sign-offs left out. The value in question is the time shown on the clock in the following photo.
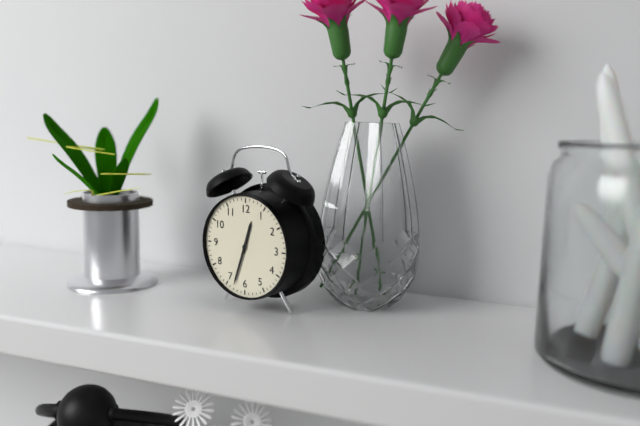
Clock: 12:33
